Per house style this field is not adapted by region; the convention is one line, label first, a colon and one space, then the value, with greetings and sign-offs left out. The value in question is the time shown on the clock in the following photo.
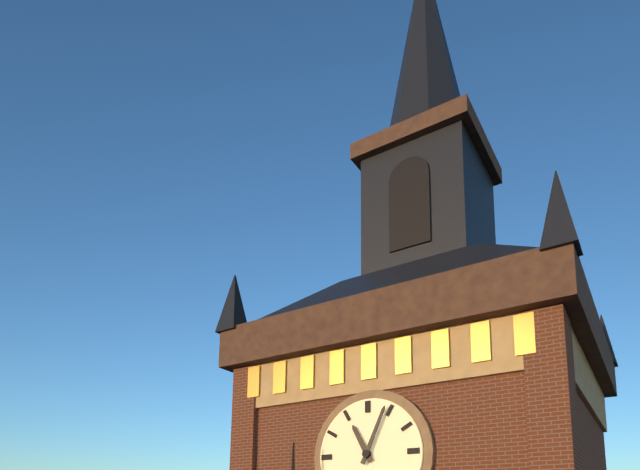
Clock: 11:04
